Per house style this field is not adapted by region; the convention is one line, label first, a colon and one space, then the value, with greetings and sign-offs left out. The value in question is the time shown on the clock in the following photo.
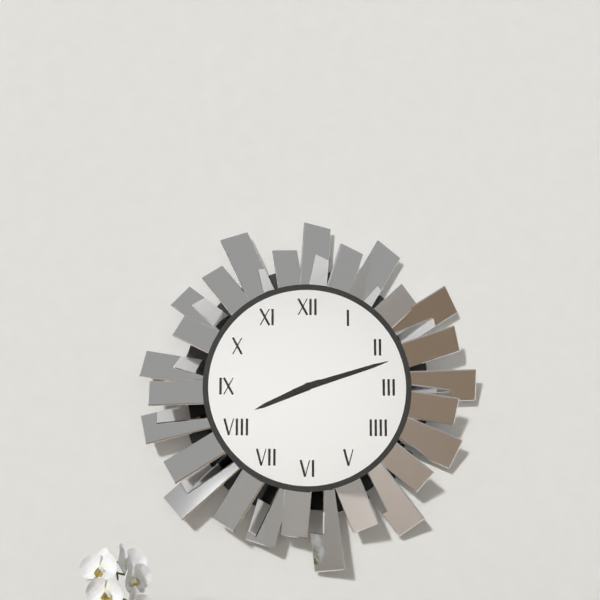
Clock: 8:12
